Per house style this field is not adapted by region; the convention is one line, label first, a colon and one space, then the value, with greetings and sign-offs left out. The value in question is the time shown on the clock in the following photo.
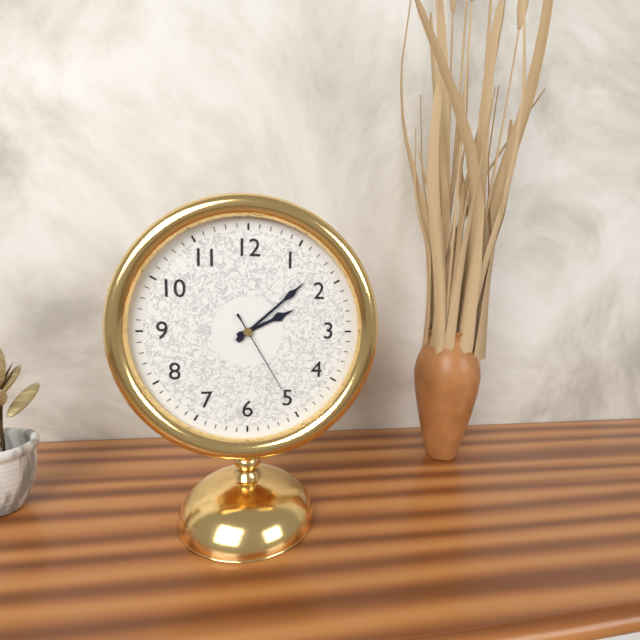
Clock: 2:08:25
